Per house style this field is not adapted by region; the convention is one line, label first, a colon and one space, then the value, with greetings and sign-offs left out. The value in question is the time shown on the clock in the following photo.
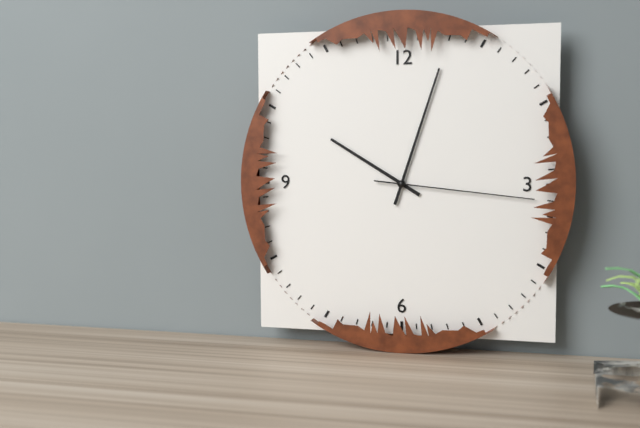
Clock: 10:03:16
